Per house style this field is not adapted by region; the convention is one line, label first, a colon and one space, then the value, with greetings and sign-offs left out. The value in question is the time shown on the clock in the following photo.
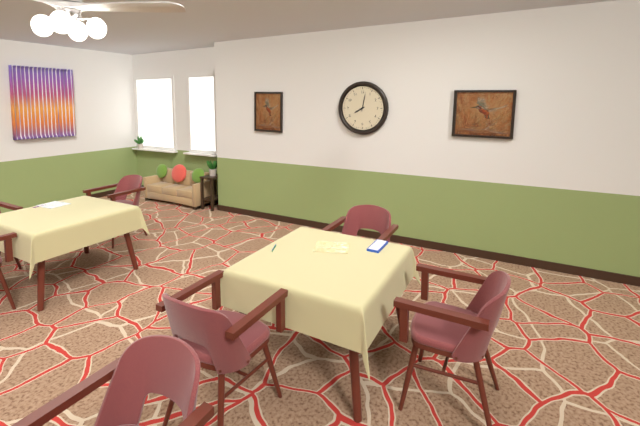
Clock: 8:02
